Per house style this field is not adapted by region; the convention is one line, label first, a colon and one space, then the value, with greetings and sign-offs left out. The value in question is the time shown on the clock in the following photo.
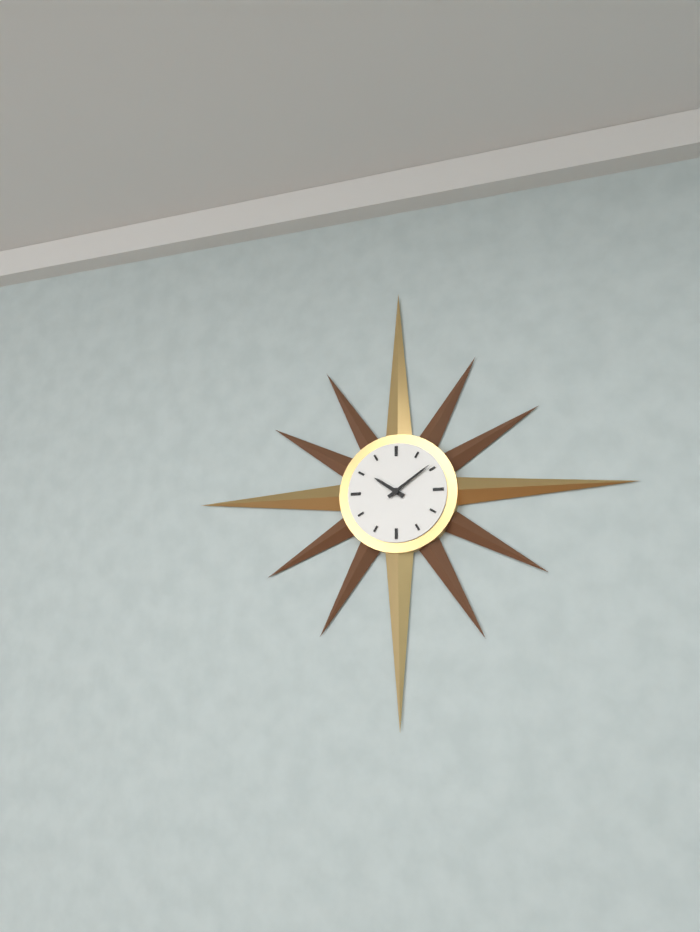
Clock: 10:09
